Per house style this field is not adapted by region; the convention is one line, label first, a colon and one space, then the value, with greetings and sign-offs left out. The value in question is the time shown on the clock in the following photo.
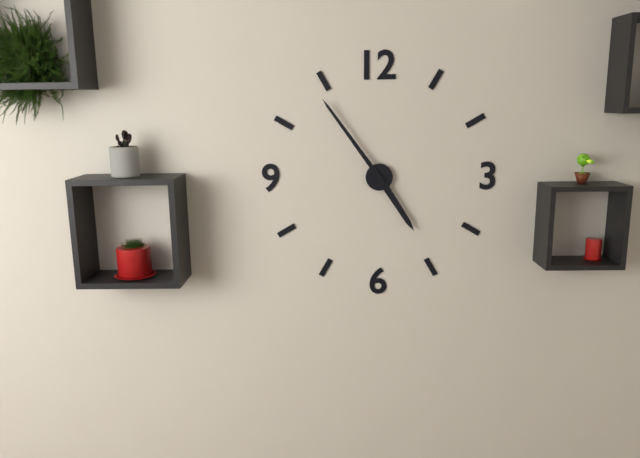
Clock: 4:54
